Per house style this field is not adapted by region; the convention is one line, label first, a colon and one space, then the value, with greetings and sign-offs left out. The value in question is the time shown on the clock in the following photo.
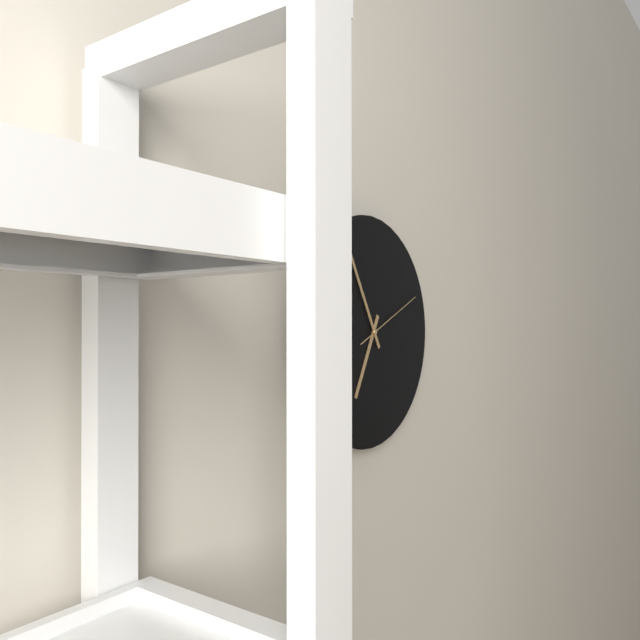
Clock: 6:55:11
